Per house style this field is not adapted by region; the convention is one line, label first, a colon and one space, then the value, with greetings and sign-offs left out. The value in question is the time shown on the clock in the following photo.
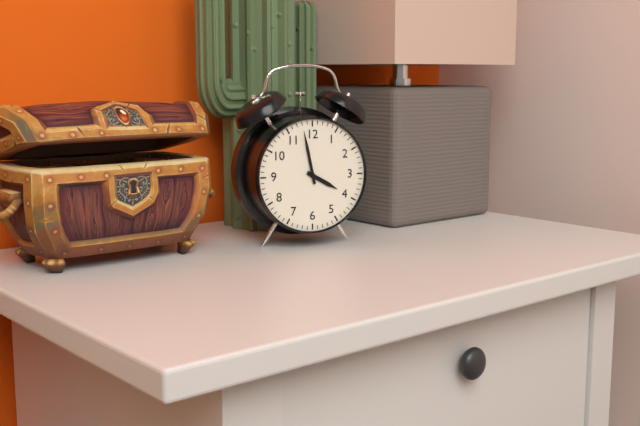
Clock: 3:58
